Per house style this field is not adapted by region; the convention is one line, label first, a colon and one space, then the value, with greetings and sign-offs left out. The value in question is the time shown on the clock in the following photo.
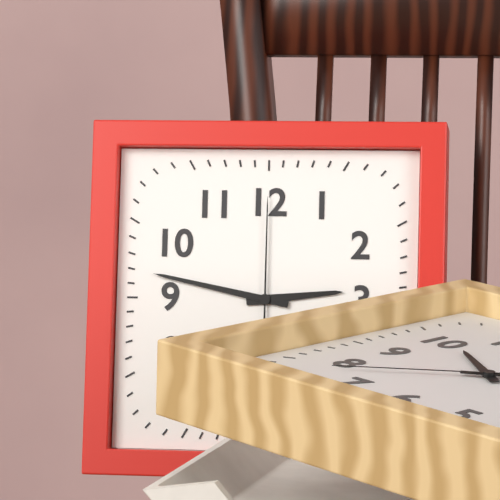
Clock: 2:47:00
